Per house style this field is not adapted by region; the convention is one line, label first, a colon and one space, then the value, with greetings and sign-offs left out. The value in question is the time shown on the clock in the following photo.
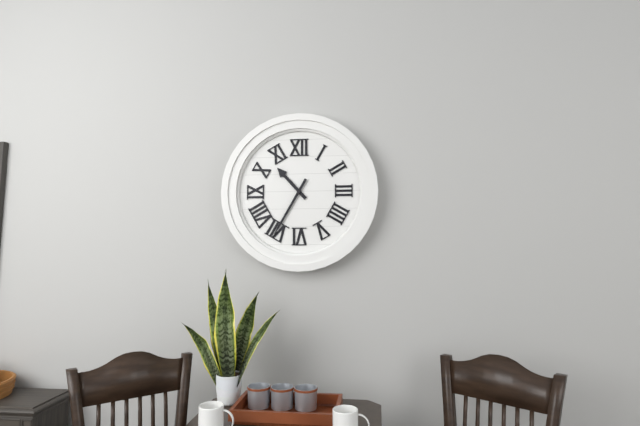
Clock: 10:35
